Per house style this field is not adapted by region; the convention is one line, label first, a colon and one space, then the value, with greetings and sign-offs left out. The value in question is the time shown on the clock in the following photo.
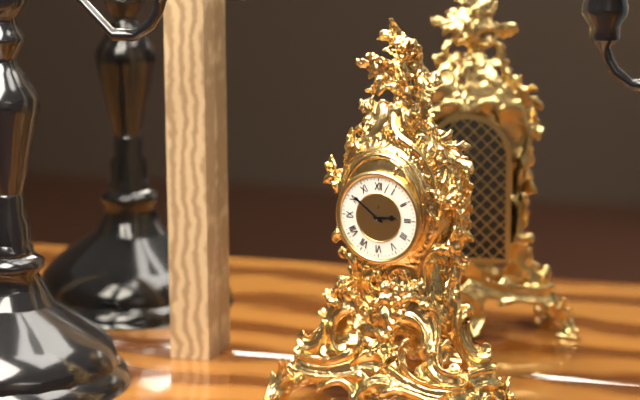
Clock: 2:51
